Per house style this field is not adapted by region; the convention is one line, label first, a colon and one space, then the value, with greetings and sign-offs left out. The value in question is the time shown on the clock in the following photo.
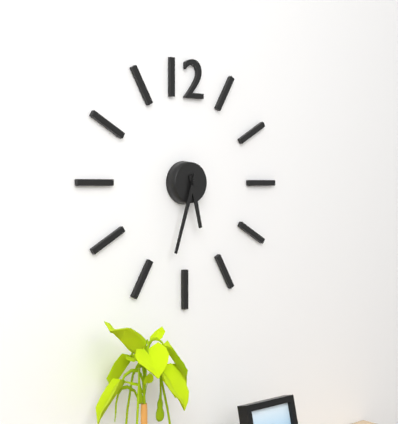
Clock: 5:33
